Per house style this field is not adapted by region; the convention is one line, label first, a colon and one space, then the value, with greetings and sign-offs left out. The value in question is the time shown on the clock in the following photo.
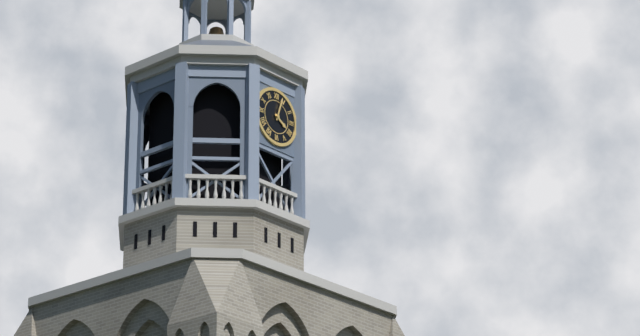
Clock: 4:03
